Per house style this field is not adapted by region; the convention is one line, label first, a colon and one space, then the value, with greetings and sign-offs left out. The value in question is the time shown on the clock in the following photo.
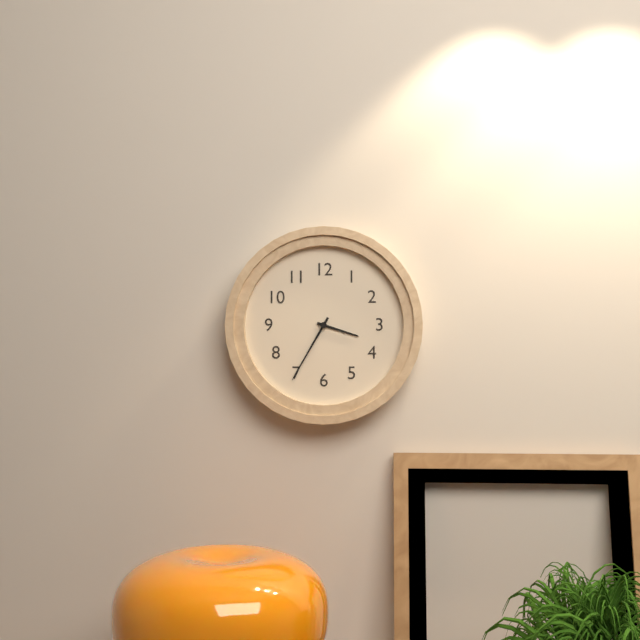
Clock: 3:35
